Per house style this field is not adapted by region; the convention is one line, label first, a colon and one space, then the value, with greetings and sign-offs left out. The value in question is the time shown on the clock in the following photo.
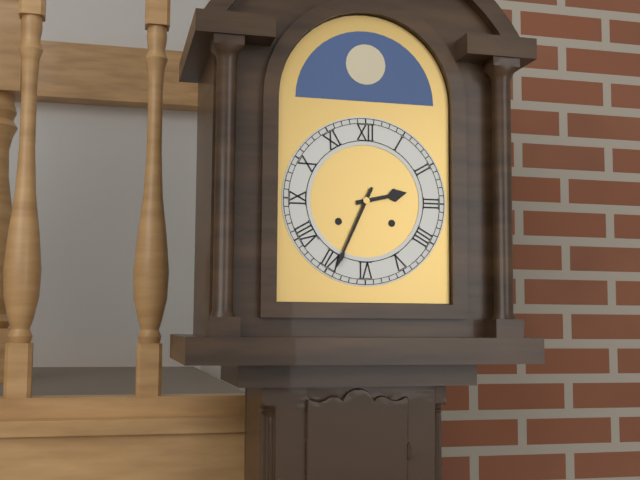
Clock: 2:34
